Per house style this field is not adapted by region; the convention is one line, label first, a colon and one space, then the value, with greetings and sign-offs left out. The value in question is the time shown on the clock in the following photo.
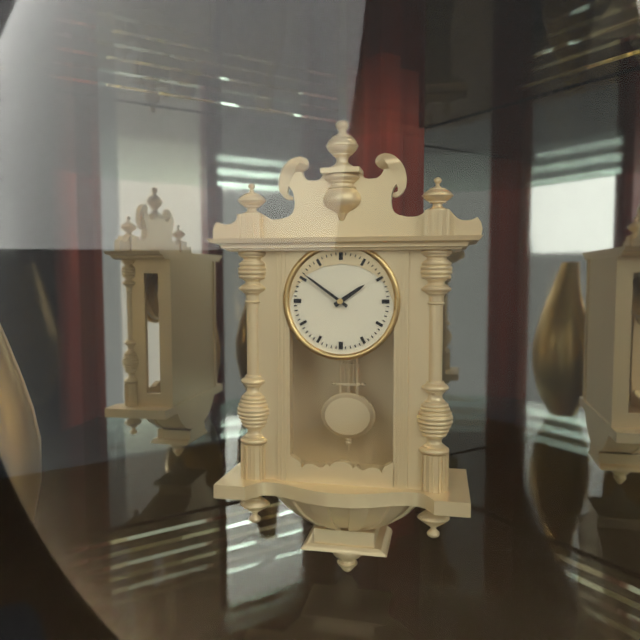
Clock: 1:51
